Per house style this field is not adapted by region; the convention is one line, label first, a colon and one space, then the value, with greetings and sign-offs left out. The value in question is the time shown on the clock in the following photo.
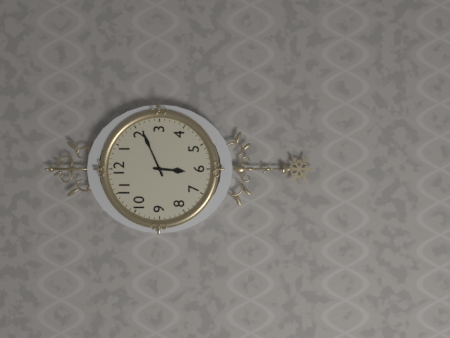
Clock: 6:11
